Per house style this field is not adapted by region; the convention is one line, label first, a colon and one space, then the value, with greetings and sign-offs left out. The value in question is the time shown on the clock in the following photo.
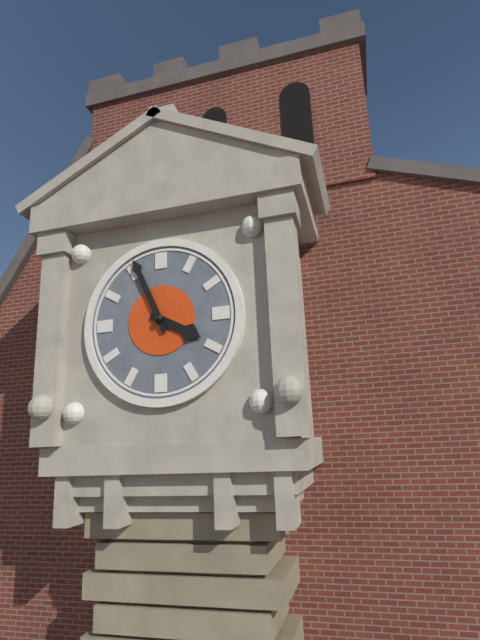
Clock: 3:56
